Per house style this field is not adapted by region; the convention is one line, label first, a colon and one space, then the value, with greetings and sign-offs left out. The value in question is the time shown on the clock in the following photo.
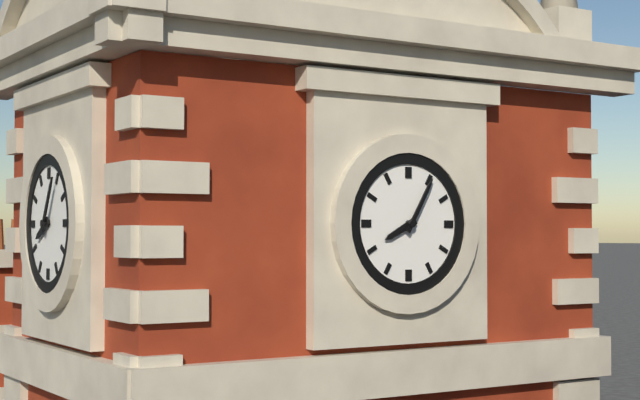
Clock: 8:05
